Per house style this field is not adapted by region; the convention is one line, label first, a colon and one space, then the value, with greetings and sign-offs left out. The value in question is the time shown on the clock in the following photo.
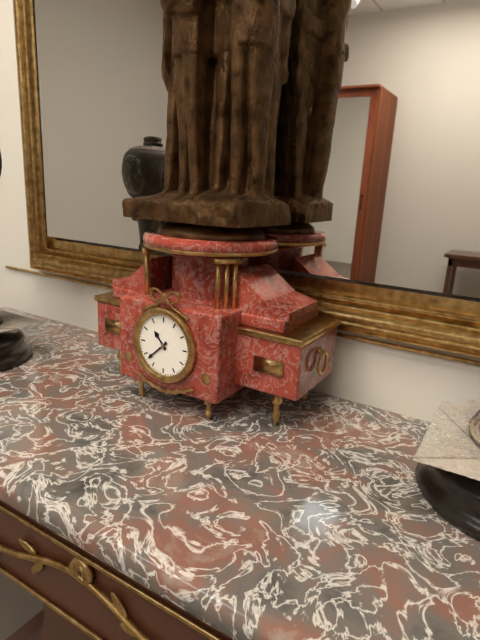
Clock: 10:38
